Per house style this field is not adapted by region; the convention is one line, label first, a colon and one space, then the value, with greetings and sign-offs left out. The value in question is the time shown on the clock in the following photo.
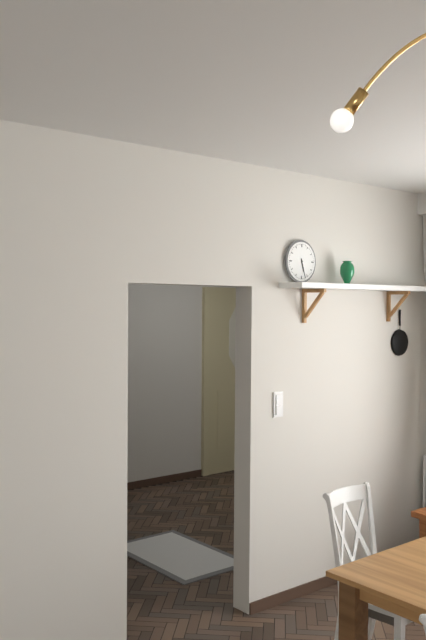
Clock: 5:27
